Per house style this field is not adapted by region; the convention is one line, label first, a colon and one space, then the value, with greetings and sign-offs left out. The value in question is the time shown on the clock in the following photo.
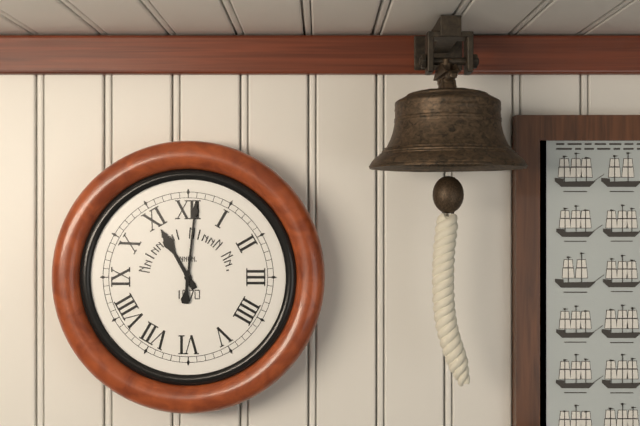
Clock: 11:01
